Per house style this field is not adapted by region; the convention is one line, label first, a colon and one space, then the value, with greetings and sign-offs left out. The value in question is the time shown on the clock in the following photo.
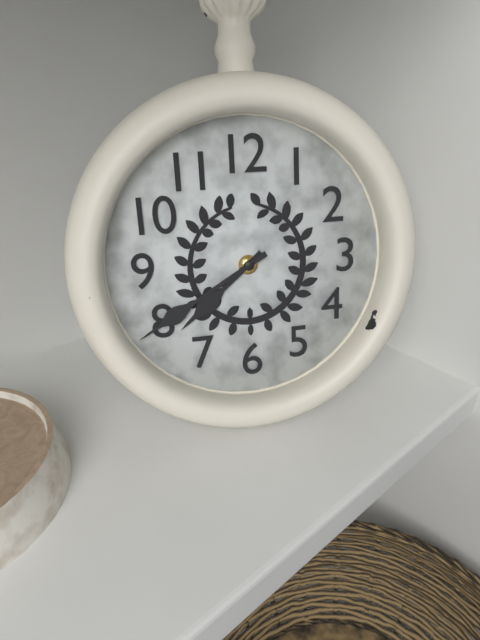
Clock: 7:40
